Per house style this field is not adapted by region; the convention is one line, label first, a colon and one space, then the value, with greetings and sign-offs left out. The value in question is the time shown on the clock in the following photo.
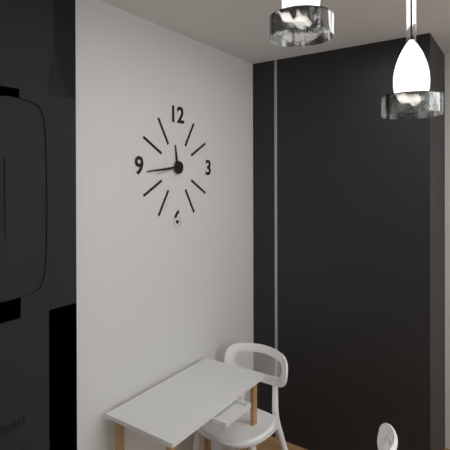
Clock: 11:44
